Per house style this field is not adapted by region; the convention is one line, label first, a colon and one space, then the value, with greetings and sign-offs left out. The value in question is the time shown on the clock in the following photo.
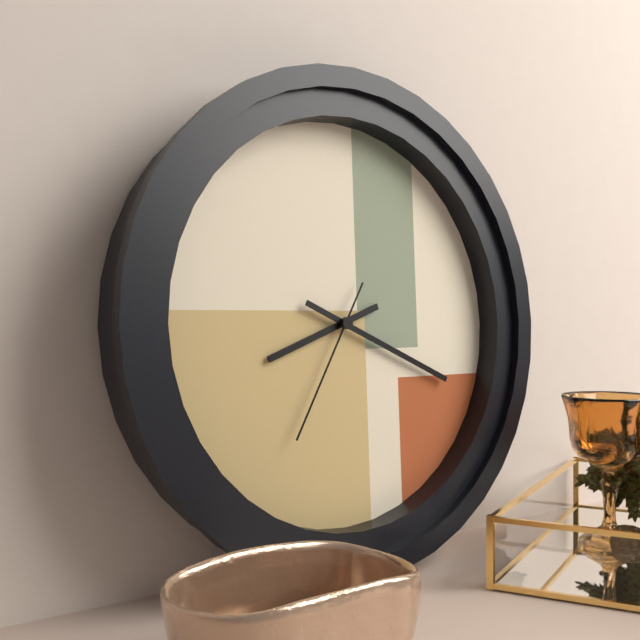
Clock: 8:19:35
